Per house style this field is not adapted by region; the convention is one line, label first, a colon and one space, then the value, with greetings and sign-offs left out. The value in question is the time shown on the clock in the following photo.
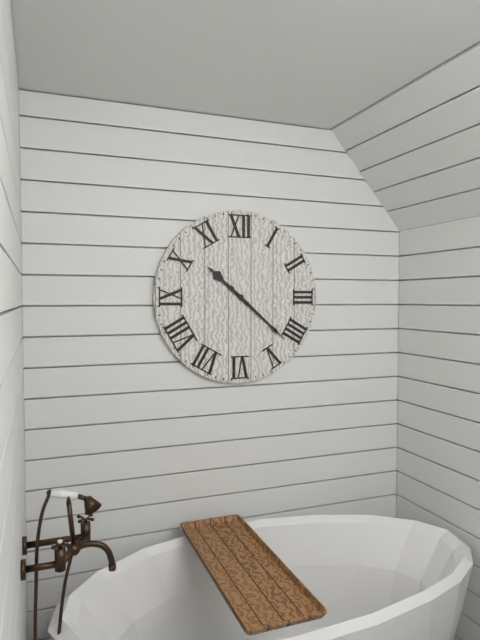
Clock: 10:22
